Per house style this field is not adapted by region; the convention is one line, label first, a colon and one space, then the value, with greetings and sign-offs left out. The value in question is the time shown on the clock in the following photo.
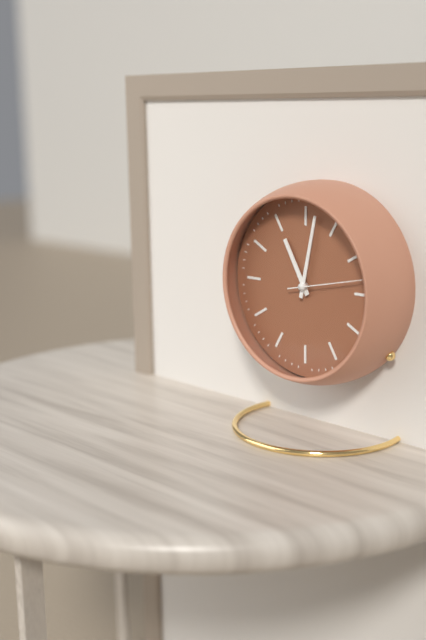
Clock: 11:02:13
